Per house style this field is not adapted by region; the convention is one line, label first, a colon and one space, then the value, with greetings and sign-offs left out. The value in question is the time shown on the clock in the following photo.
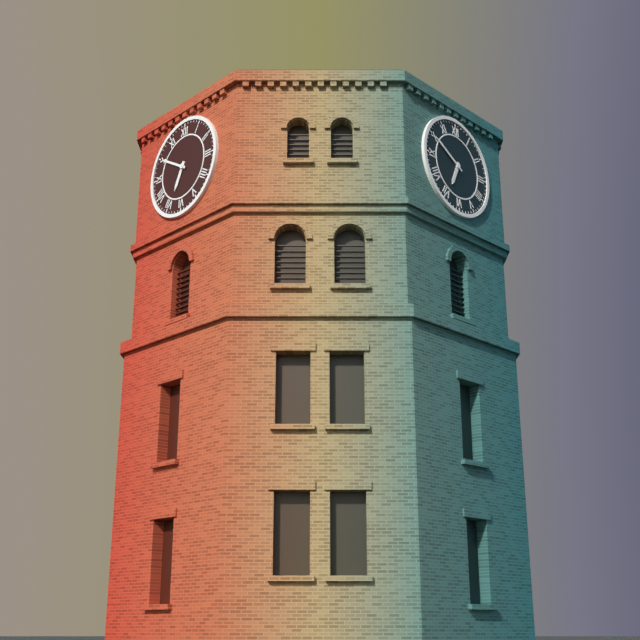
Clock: 6:50
